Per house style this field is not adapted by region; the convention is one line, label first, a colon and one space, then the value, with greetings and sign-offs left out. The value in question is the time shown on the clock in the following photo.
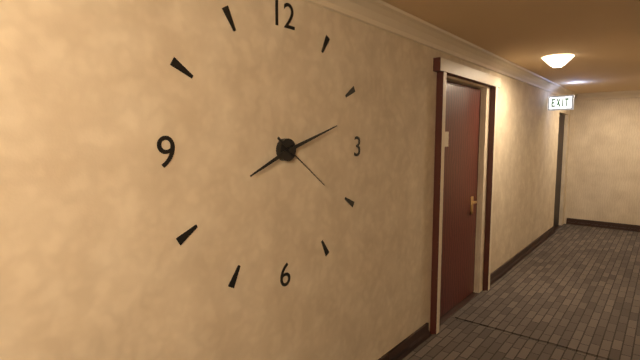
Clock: 8:12:21
